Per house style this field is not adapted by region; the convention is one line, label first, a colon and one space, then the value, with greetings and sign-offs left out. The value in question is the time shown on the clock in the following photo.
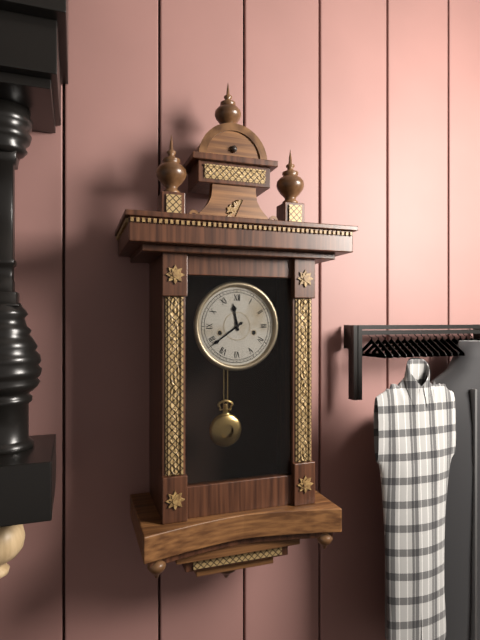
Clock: 11:39
